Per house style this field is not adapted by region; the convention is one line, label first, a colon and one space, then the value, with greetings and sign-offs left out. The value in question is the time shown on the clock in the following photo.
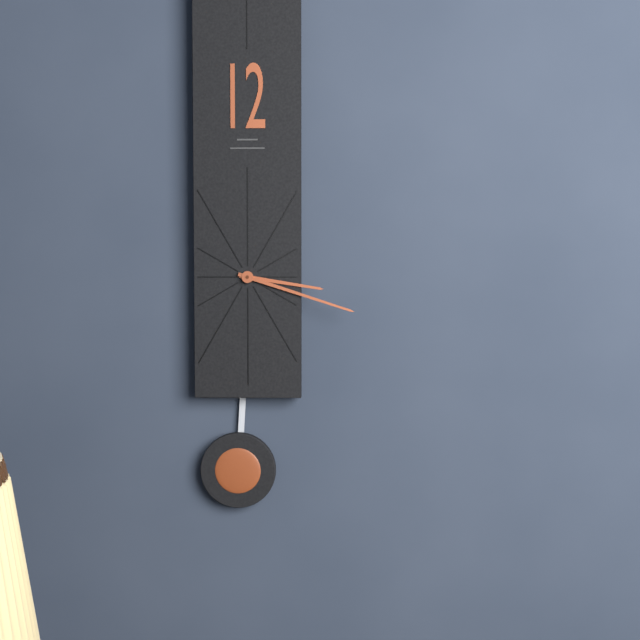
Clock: 3:18
